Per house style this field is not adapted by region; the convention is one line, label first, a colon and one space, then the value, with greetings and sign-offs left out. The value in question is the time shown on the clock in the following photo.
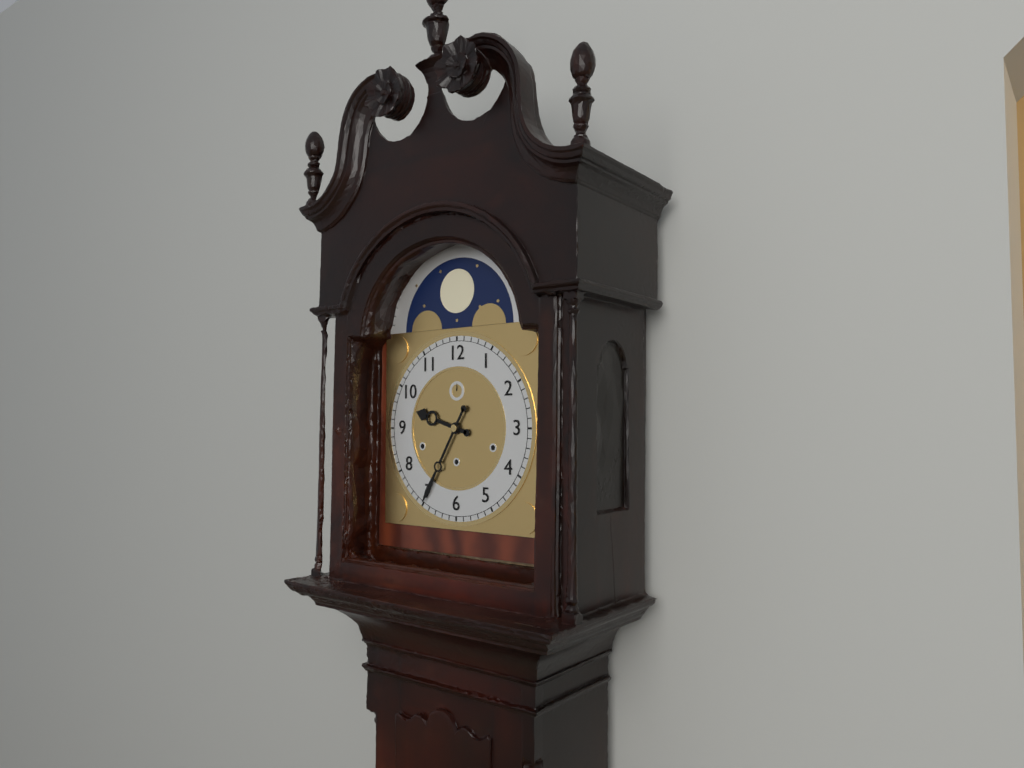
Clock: 9:35
